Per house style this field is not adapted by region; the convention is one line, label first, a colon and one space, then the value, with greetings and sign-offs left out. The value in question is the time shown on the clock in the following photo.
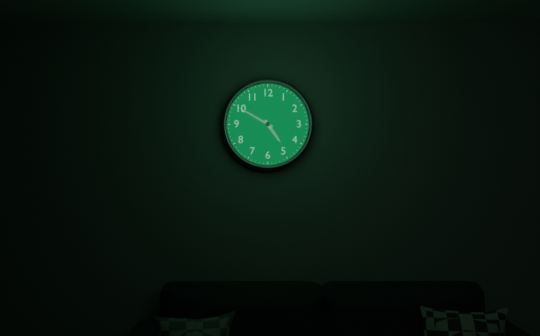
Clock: 4:50
